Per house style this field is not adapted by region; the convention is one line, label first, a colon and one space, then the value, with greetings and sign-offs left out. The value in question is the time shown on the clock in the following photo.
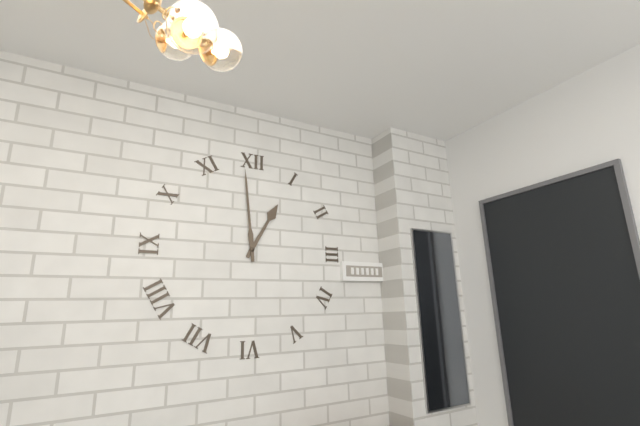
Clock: 12:59
